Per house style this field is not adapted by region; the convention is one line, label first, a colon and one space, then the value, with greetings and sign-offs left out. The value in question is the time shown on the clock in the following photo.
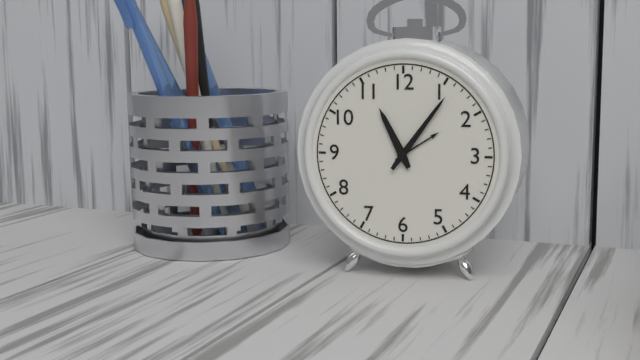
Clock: 11:06
